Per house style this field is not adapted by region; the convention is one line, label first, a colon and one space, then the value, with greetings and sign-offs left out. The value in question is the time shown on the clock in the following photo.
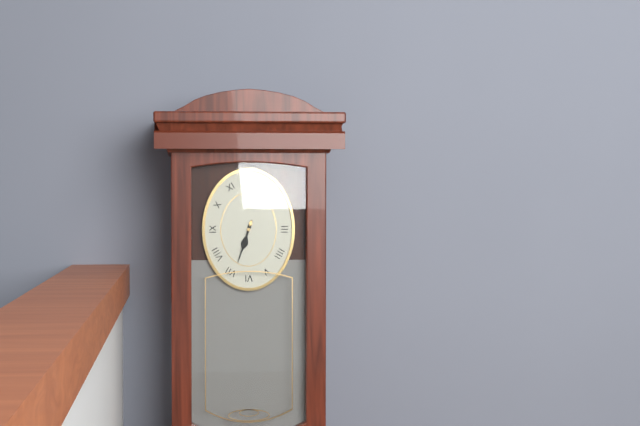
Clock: 6:33
